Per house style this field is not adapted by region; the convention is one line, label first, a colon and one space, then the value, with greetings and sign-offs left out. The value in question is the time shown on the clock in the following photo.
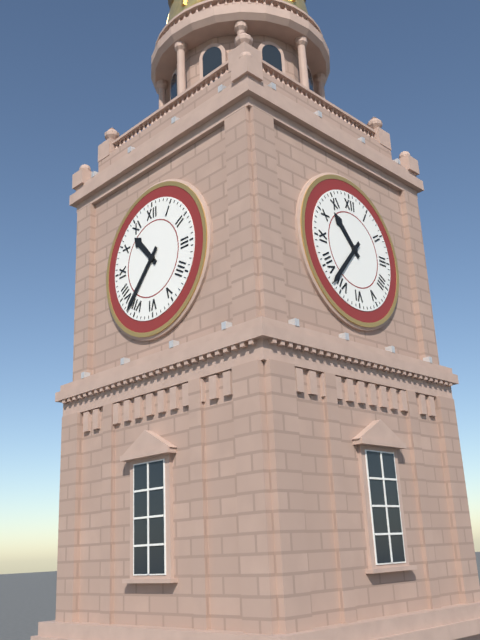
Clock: 10:37
